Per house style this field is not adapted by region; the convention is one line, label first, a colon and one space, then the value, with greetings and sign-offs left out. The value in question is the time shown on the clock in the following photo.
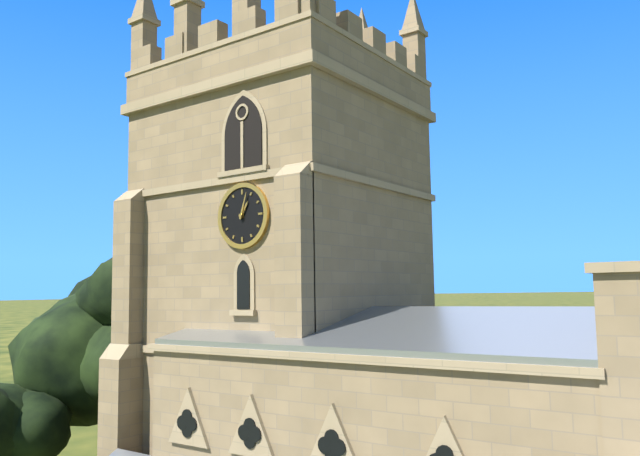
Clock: 1:03
